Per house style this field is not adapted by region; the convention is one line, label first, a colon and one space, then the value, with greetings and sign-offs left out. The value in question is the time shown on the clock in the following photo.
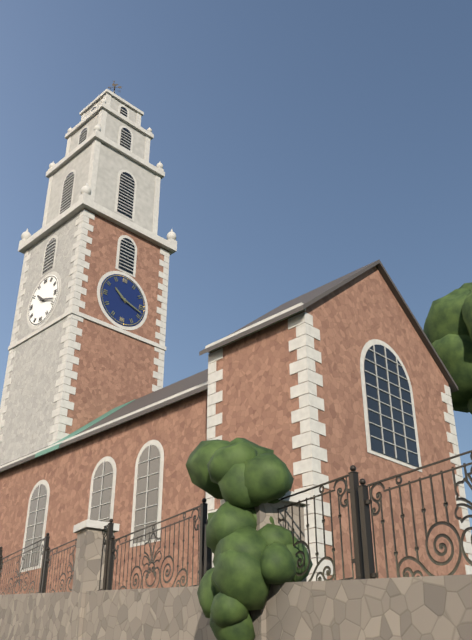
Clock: 10:18
